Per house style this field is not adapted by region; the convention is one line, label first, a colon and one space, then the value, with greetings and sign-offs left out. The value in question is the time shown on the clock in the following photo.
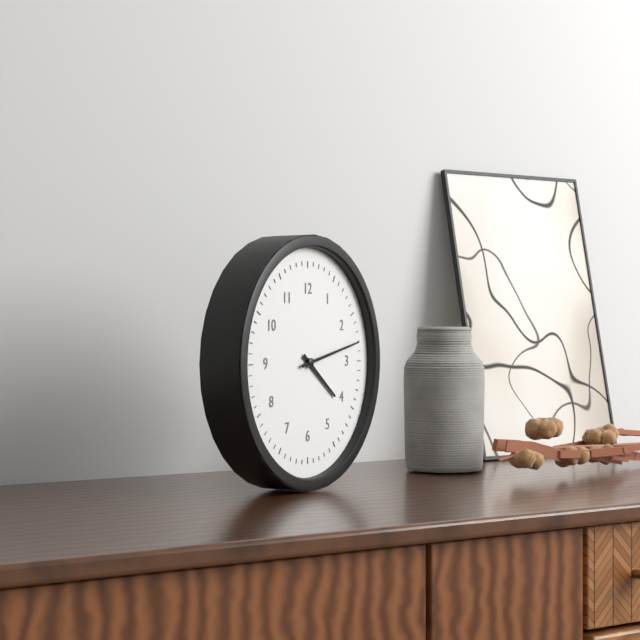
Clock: 4:13
